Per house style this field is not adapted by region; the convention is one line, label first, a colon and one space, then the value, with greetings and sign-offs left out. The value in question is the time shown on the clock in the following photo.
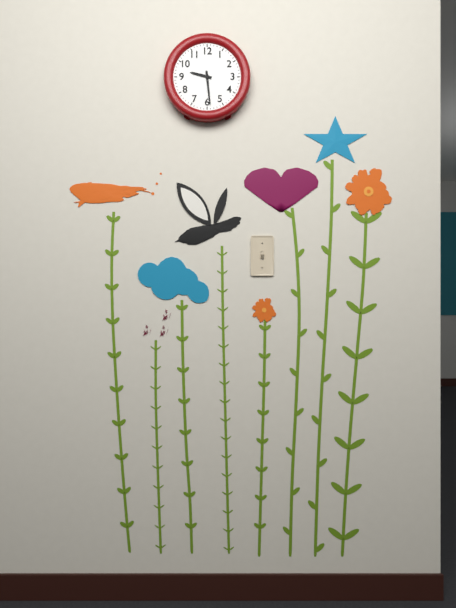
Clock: 9:29
